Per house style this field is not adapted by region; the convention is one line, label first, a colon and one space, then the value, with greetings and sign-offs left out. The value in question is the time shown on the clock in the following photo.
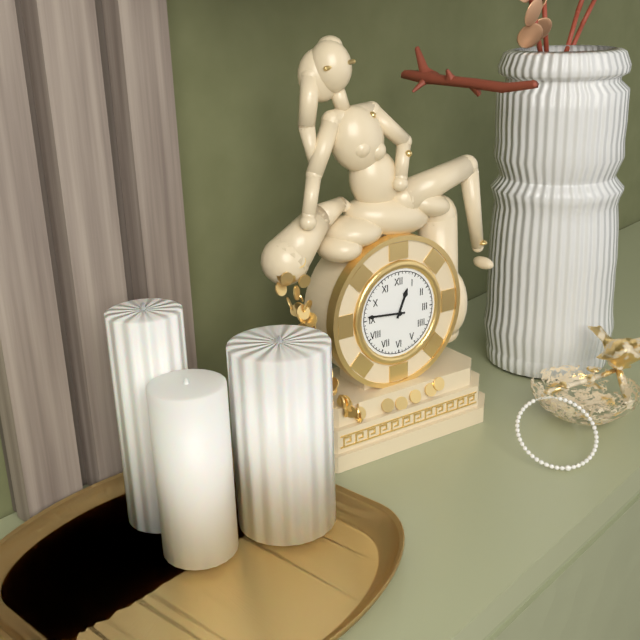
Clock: 12:46
